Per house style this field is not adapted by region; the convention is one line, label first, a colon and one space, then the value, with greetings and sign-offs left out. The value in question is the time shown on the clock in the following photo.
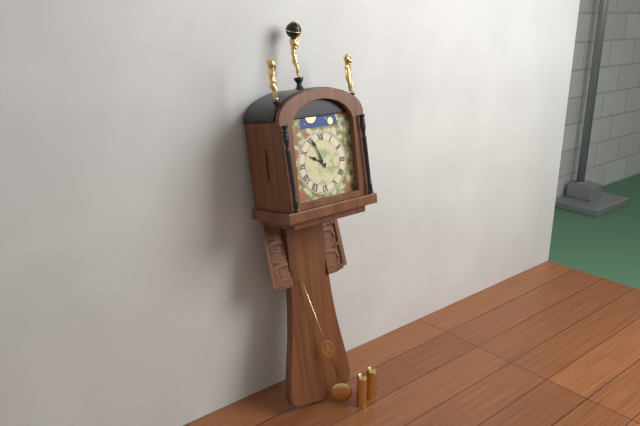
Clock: 9:56
